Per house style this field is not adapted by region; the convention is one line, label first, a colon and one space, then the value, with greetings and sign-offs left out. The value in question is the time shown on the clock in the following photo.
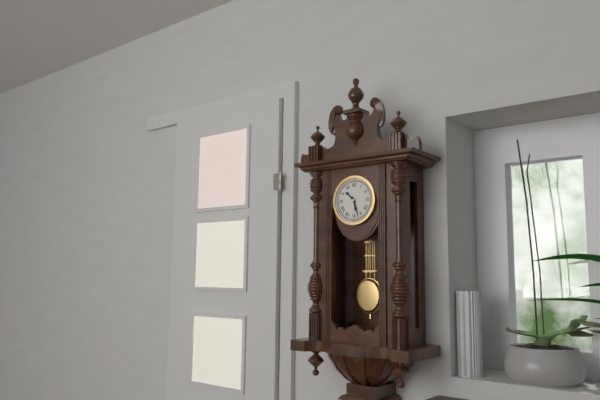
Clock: 10:27
